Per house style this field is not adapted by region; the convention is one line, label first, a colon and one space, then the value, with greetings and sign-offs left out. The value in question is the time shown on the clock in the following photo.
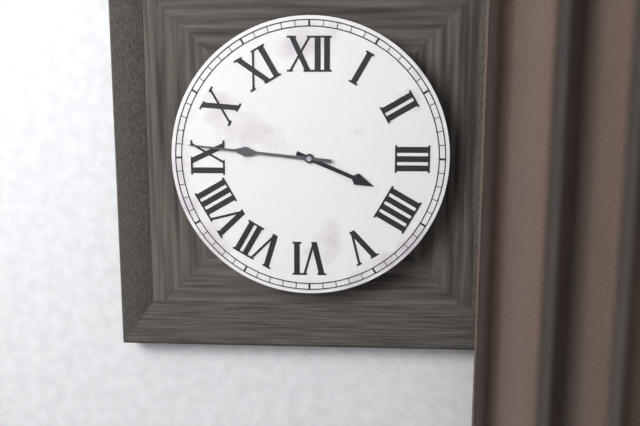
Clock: 3:46
